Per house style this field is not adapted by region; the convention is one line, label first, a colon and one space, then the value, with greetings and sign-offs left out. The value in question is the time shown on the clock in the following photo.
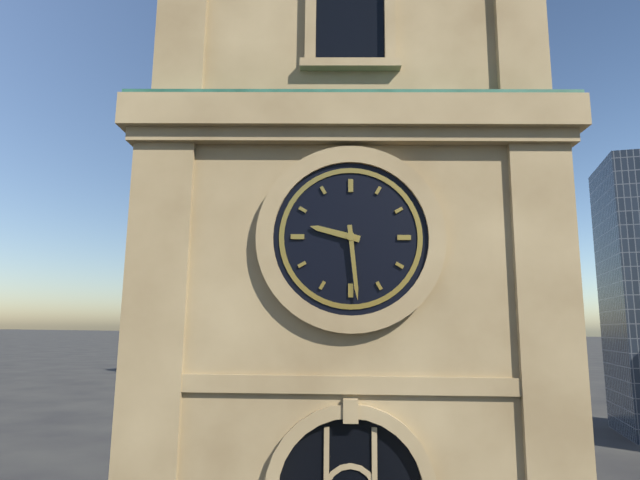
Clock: 9:29
